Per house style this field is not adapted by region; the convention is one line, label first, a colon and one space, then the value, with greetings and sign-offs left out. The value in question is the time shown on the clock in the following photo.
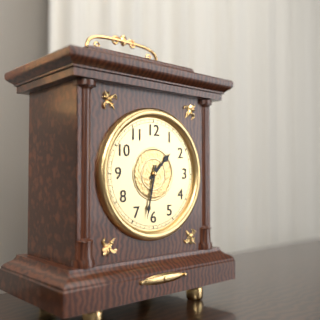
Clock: 1:32
